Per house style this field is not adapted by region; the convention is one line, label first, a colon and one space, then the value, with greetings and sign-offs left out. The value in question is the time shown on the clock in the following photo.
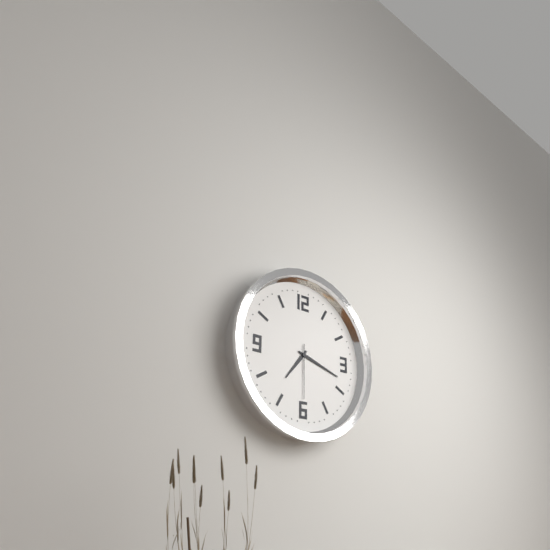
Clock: 7:18:30
